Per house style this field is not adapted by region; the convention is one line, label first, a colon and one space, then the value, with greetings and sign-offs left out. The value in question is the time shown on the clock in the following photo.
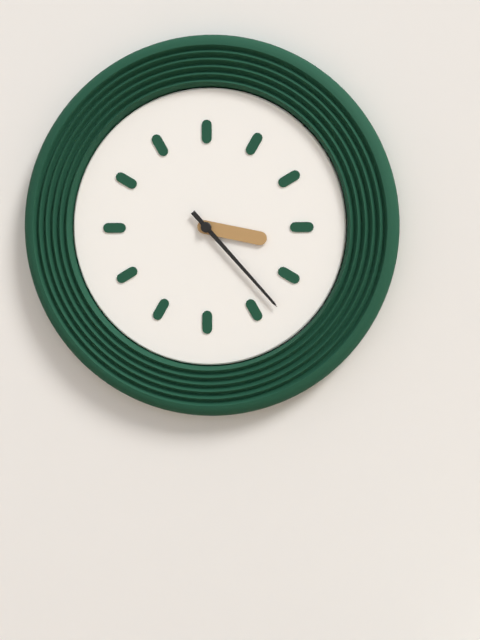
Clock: 3:23
